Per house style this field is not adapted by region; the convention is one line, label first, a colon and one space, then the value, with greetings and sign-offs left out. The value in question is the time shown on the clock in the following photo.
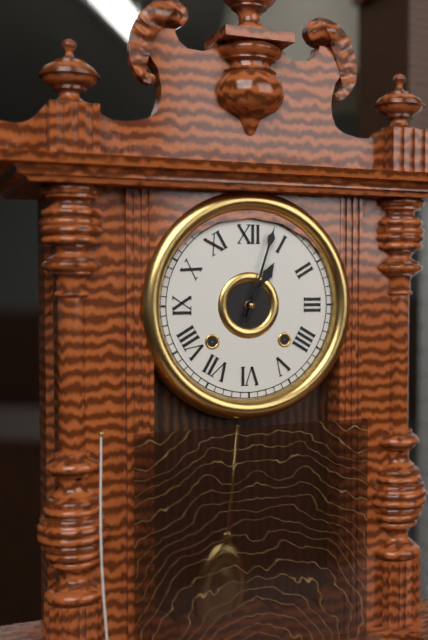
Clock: 1:03
